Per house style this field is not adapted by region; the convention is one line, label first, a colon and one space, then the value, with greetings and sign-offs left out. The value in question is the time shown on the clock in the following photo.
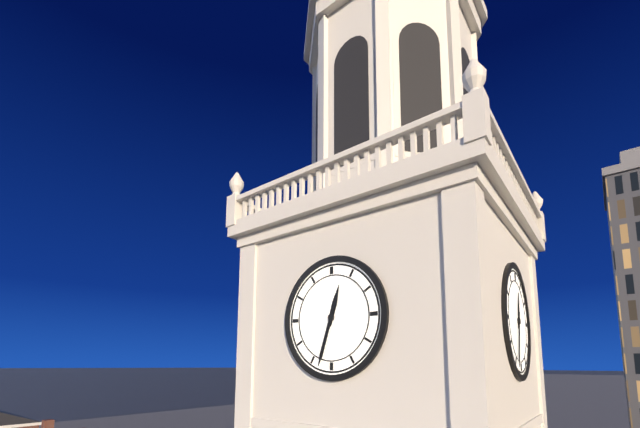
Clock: 12:33
